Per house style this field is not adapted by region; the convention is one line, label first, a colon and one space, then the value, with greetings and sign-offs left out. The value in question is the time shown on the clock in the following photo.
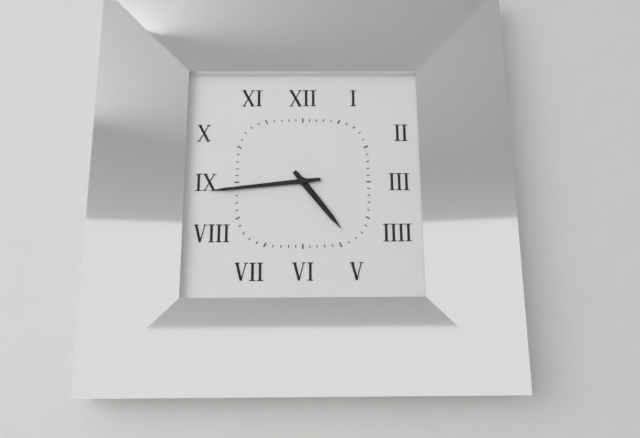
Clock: 4:44
